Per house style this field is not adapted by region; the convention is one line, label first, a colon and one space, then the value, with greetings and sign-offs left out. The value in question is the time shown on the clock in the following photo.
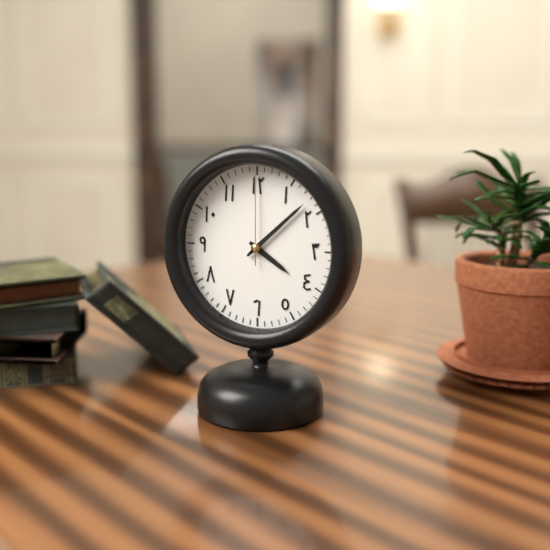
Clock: 4:08:00
